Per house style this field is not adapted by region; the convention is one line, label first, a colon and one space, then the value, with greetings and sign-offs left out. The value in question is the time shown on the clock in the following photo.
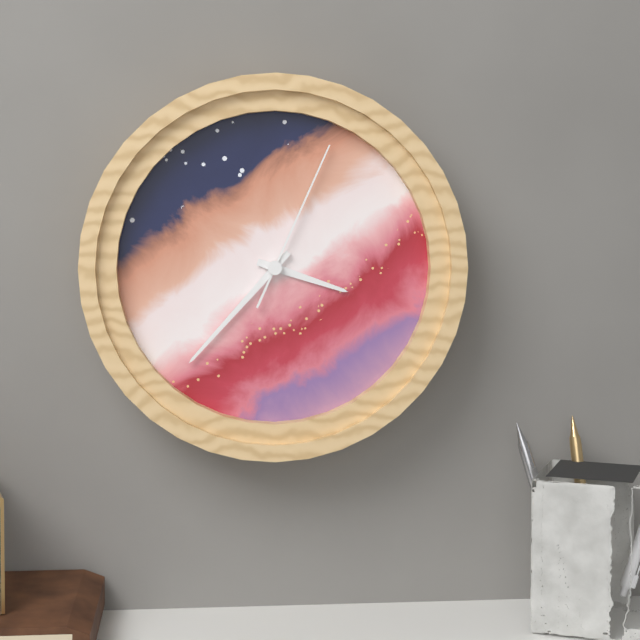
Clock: 3:37:04
